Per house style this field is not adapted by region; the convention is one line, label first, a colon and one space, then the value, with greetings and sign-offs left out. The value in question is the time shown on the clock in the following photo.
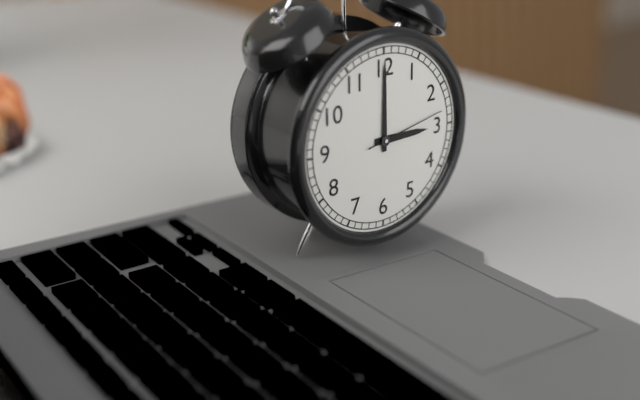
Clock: 3:00:13
